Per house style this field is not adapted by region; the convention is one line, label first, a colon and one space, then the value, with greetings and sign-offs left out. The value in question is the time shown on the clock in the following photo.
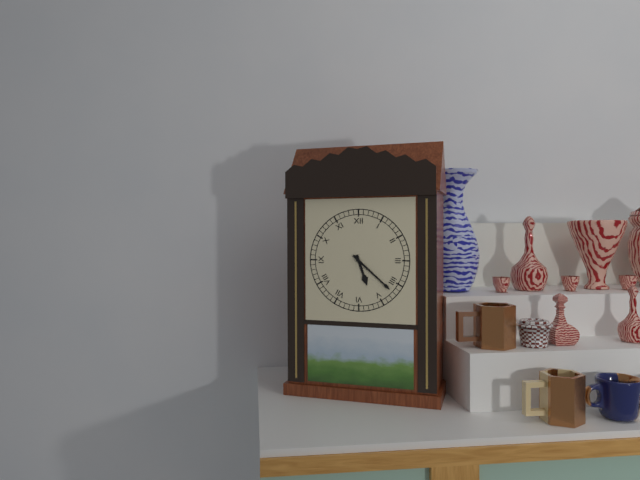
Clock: 5:22
